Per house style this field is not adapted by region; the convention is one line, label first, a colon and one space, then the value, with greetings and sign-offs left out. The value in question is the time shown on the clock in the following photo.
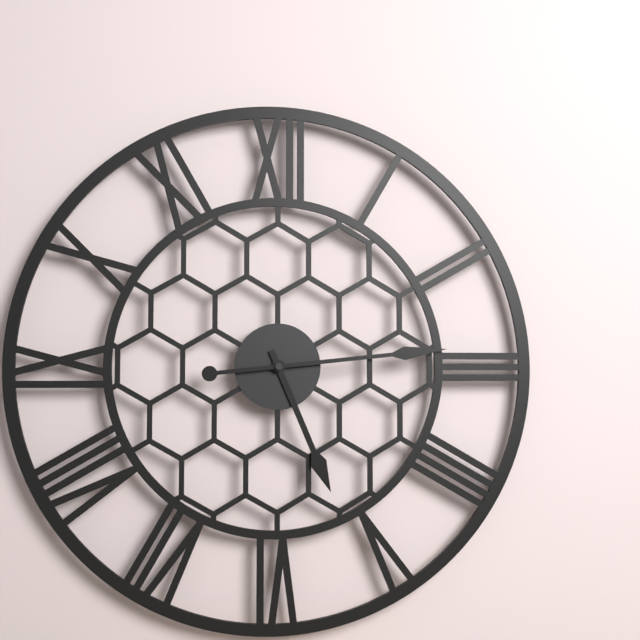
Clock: 5:14
